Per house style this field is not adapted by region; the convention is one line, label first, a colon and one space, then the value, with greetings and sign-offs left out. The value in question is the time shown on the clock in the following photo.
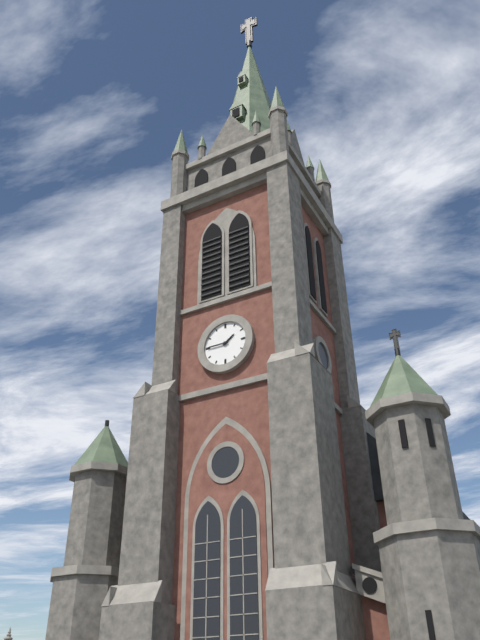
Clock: 1:45
